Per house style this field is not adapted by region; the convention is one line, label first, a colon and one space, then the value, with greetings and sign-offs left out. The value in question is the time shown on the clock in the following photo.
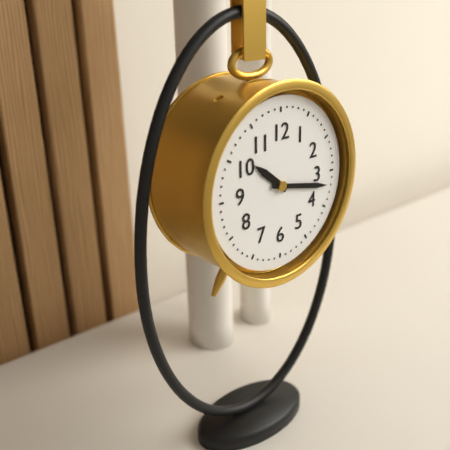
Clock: 10:17
